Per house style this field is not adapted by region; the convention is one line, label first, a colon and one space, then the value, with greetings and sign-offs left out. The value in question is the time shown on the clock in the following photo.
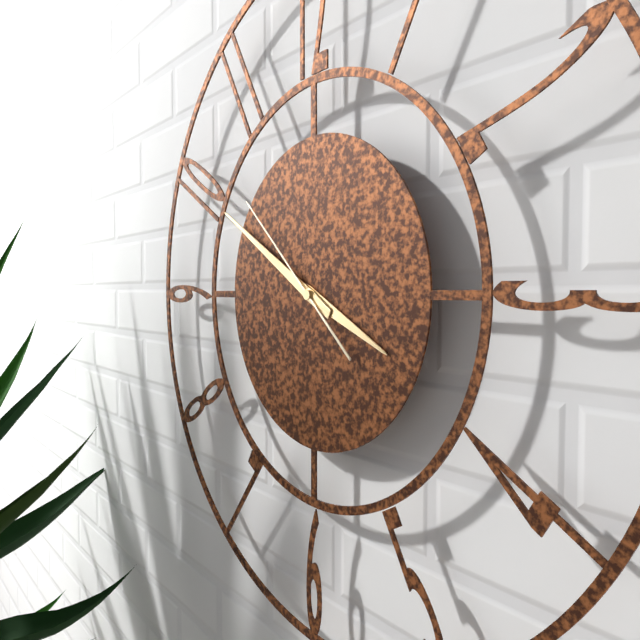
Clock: 3:50:52
